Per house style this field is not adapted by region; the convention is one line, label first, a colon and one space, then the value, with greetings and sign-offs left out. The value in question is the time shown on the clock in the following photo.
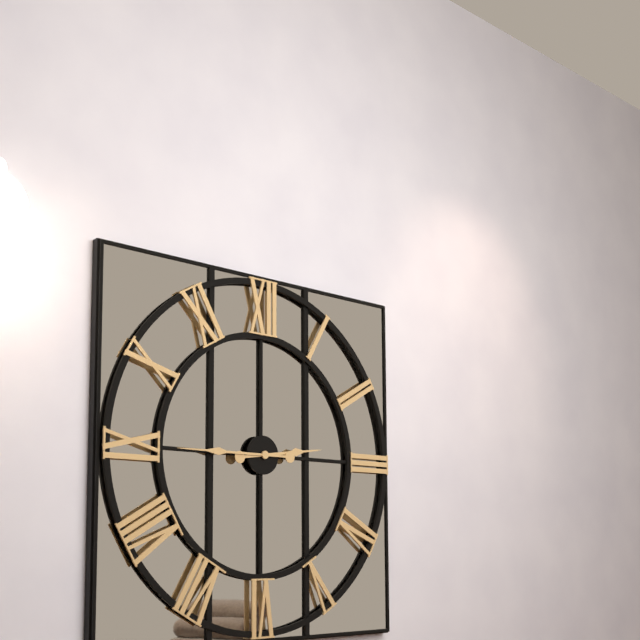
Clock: 2:45
